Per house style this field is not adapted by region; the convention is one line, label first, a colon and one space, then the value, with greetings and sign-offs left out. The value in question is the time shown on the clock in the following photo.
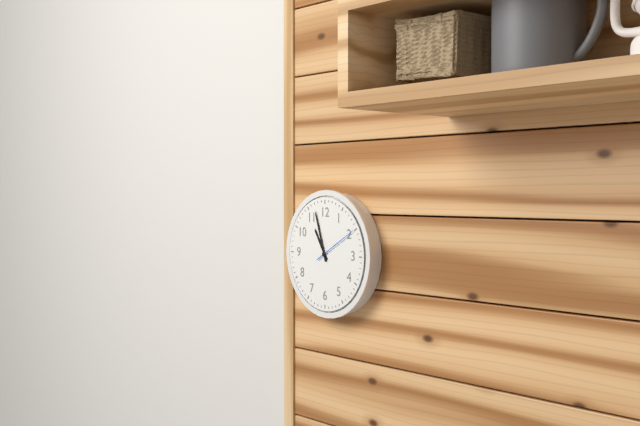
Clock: 10:57
